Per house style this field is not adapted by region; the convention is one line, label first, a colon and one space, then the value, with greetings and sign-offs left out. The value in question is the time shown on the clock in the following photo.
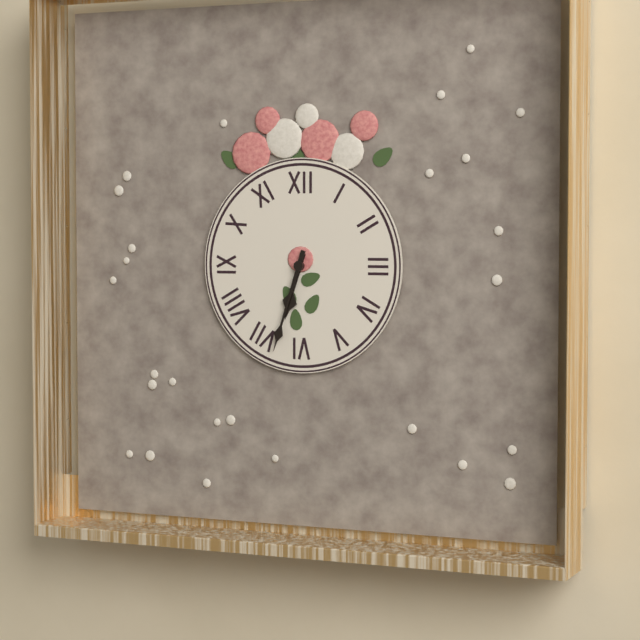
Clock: 6:33
